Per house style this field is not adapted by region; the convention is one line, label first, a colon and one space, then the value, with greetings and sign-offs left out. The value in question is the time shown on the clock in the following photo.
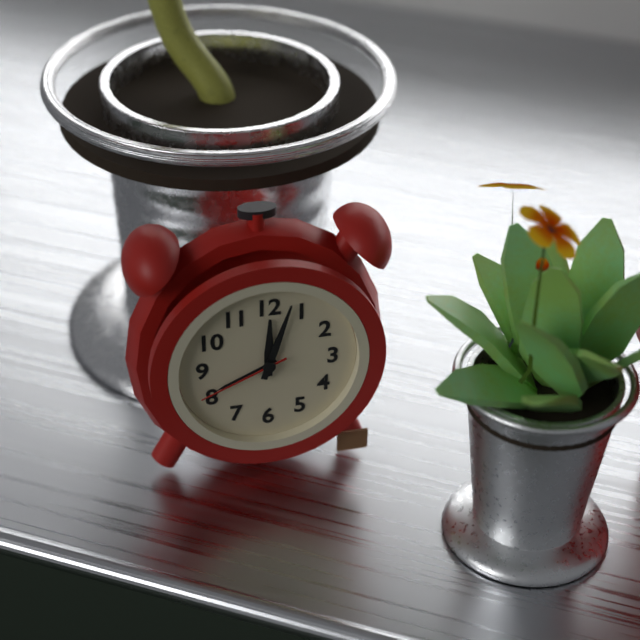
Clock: 12:03:41
